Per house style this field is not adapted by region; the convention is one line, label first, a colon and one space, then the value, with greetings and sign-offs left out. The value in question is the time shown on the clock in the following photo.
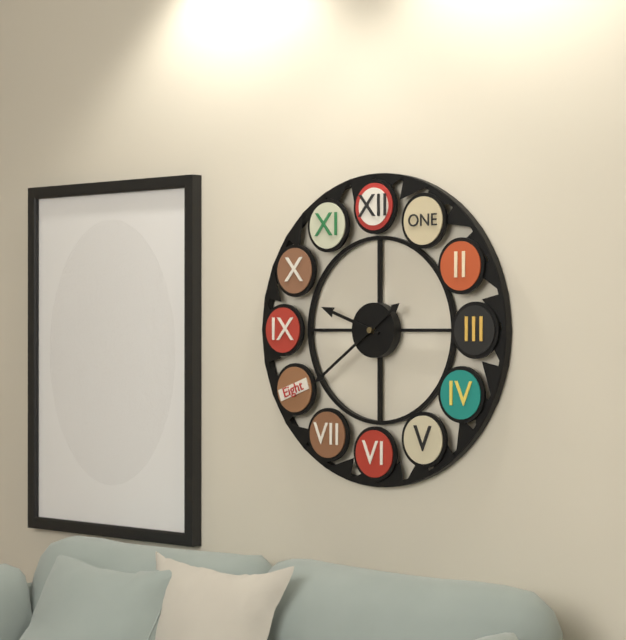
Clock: 9:39
